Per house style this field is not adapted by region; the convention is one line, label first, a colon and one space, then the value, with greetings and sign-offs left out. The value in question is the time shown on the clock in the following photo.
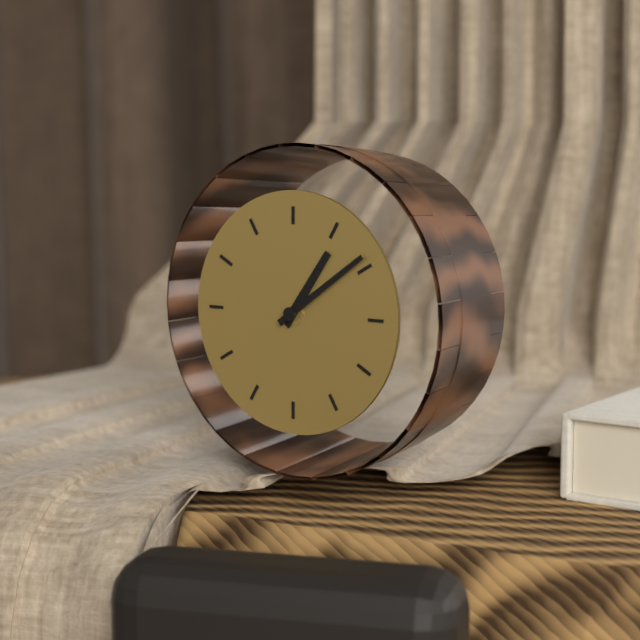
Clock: 1:09
